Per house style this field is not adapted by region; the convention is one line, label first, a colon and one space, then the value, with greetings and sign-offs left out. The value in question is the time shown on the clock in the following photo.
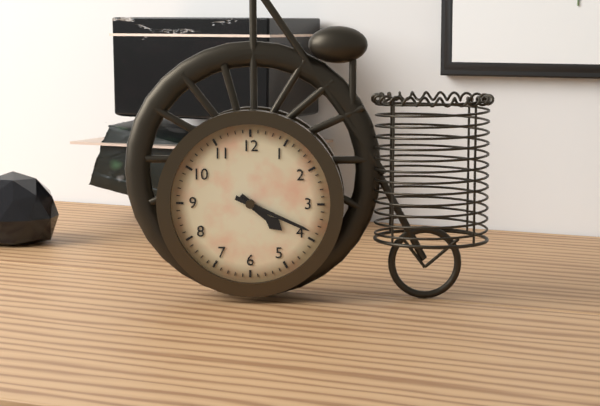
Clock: 4:19
